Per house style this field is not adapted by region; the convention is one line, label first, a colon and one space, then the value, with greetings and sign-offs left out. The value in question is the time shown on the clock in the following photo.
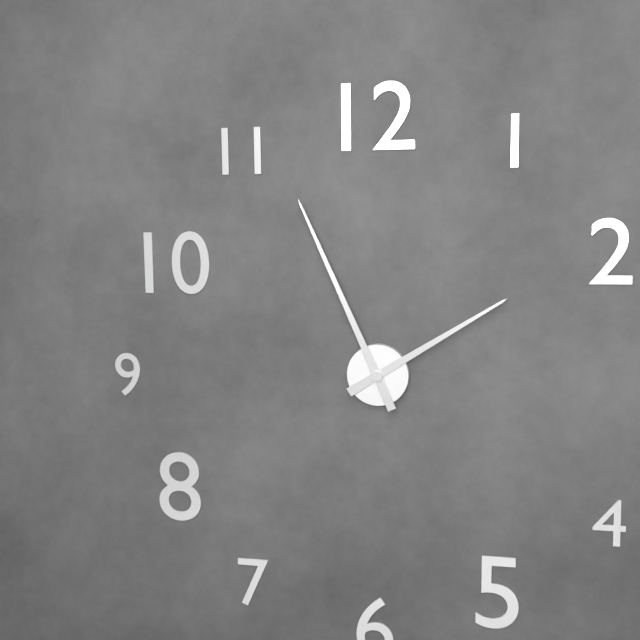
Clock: 1:56
